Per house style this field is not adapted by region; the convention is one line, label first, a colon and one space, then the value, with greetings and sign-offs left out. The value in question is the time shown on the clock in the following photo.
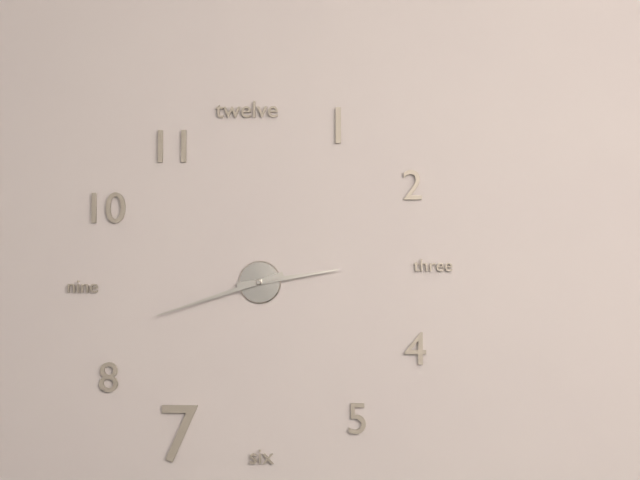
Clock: 2:42
